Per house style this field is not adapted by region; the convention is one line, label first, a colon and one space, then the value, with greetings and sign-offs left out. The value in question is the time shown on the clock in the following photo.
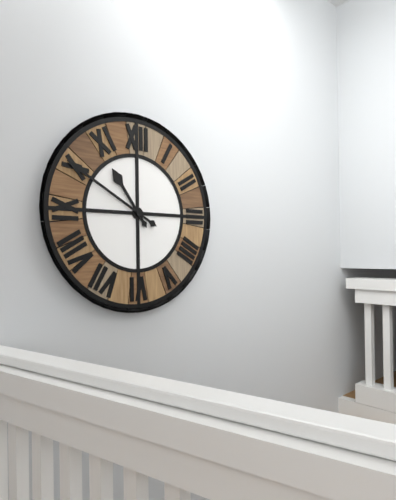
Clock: 10:50
